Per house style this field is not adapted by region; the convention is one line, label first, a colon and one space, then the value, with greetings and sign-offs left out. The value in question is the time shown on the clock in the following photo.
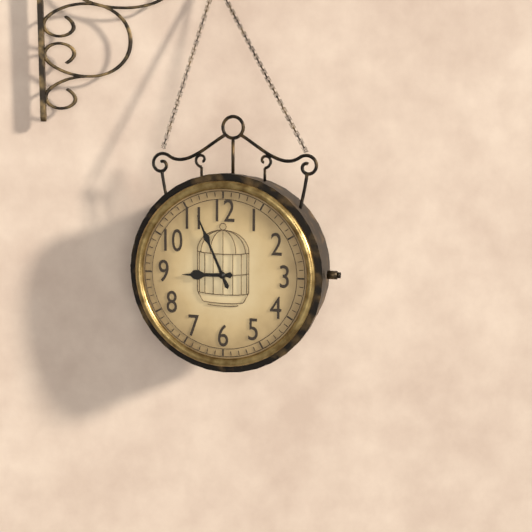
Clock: 8:56
